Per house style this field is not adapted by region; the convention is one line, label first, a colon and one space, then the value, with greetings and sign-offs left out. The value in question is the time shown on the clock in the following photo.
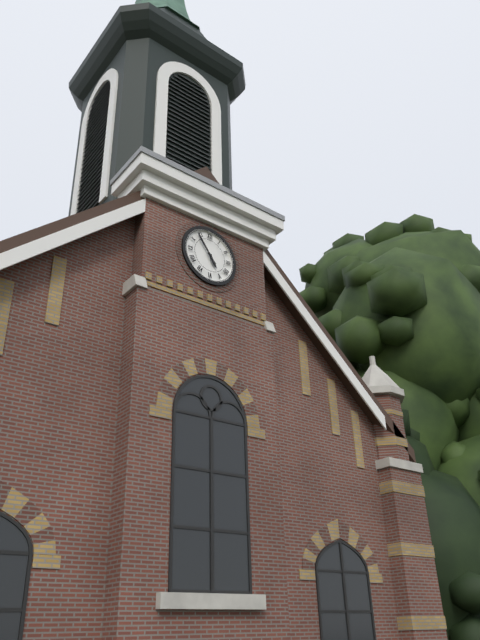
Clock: 4:54
